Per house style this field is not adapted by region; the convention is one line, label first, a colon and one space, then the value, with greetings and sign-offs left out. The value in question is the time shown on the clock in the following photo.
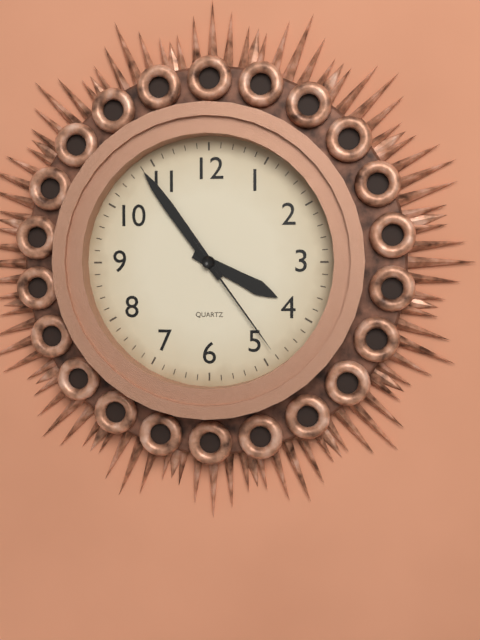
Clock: 3:54:24
